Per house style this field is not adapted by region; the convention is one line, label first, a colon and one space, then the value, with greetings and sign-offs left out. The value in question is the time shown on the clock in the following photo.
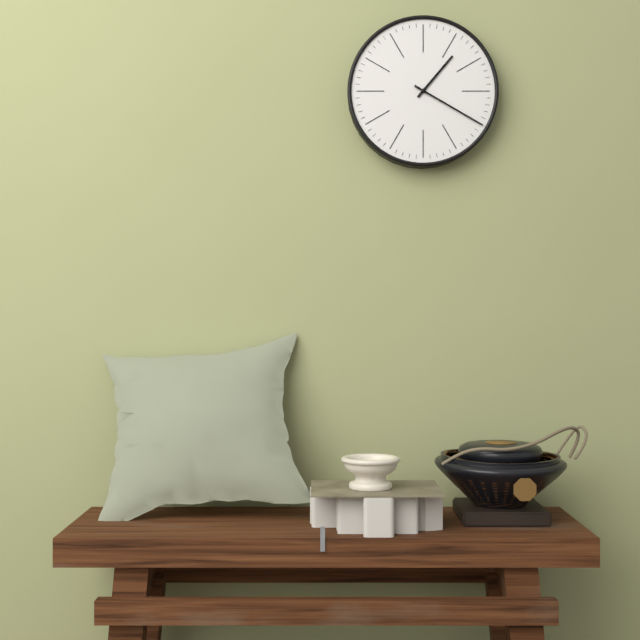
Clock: 1:20
